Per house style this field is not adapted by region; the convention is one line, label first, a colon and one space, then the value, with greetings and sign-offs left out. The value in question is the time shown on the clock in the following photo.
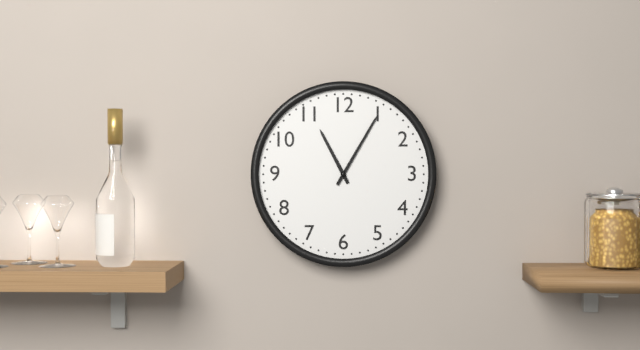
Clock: 11:05
